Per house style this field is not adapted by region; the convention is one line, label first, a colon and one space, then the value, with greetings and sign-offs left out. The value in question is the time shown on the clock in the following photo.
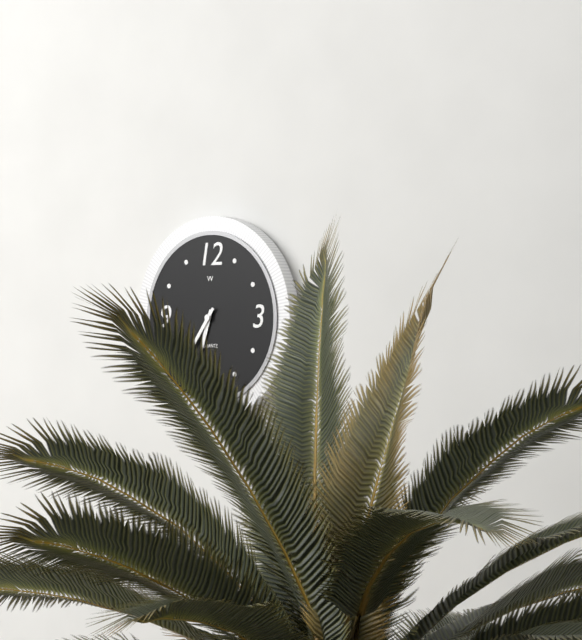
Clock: 6:36
